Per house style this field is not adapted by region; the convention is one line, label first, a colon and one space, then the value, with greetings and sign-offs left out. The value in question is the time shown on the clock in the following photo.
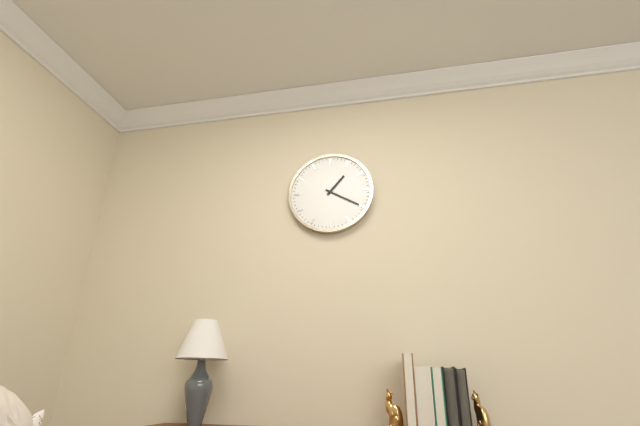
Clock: 1:20
